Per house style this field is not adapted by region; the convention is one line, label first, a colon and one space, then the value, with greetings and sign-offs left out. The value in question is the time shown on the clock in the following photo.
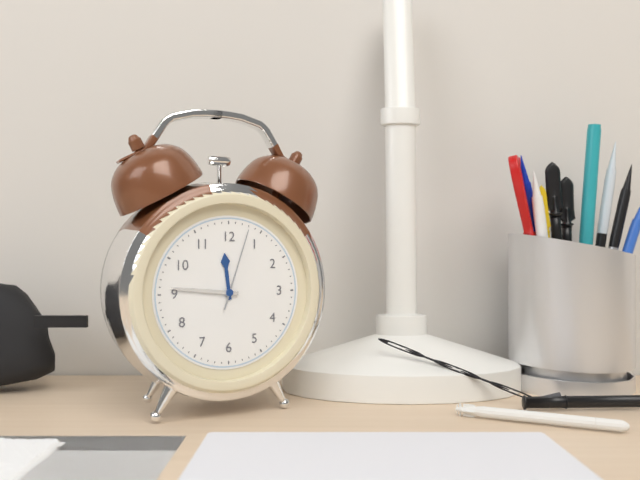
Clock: 11:46:03
